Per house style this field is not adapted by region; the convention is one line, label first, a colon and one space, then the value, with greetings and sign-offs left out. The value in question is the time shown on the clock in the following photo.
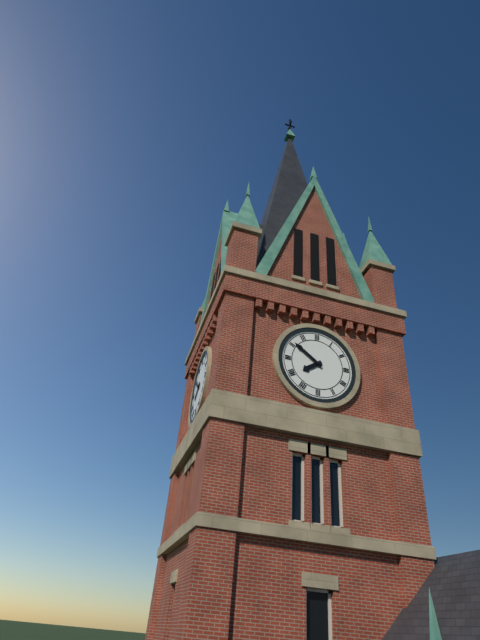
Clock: 7:51
